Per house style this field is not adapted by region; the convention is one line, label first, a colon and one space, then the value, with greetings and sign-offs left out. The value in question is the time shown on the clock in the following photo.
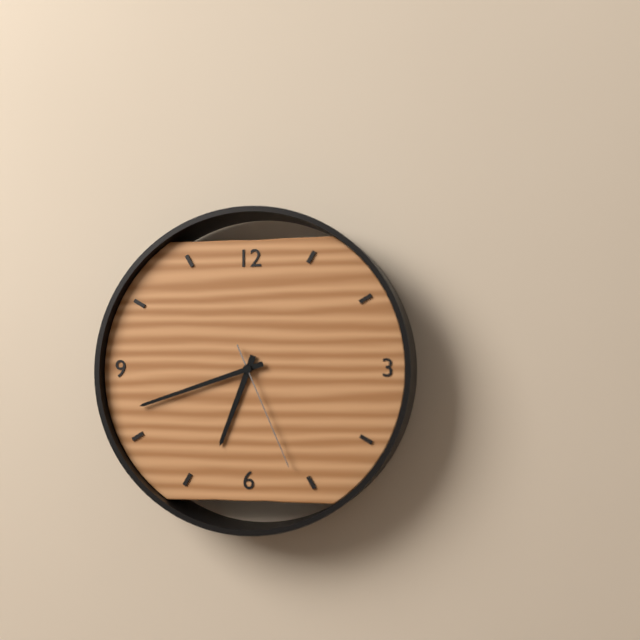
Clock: 6:42:26
